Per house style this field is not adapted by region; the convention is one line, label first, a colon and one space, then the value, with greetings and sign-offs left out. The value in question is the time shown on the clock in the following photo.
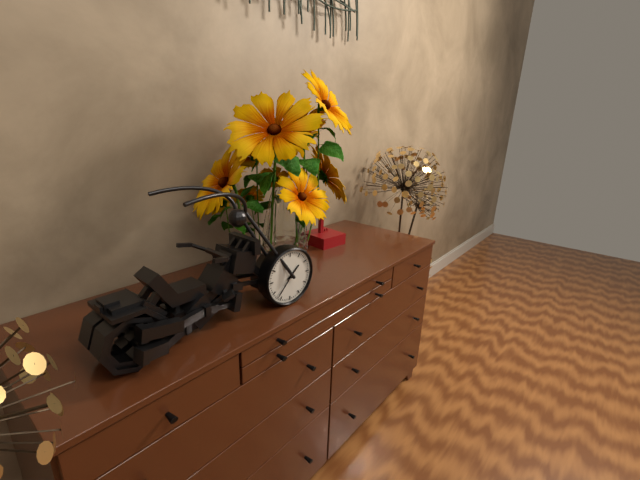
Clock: 1:37
